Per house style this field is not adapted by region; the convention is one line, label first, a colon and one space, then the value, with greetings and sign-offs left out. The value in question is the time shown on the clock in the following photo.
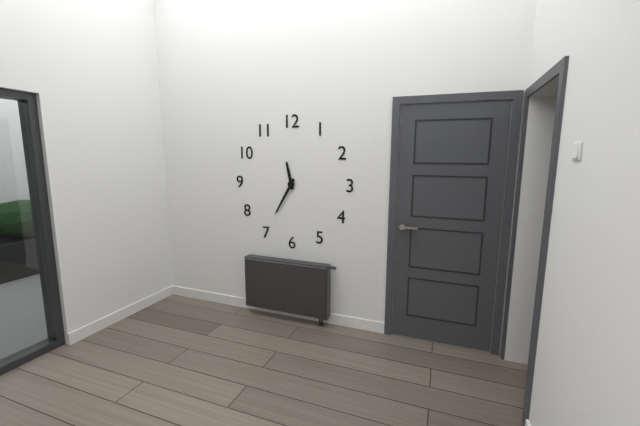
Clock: 11:35
